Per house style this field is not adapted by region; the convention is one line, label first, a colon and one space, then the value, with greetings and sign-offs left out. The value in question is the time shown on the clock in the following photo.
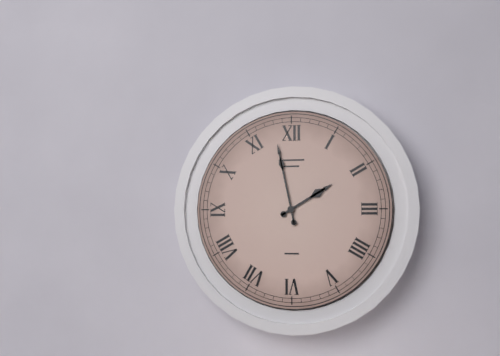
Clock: 1:58
